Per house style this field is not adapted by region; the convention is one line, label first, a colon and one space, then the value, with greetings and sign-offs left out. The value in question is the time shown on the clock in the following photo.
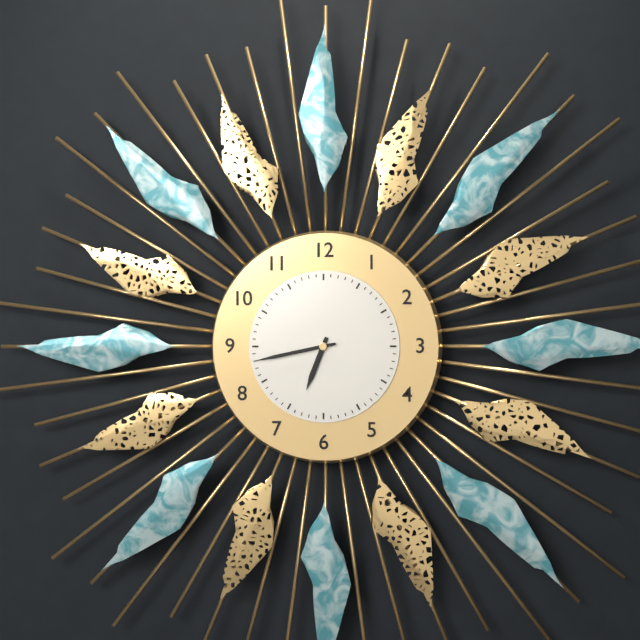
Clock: 6:43
